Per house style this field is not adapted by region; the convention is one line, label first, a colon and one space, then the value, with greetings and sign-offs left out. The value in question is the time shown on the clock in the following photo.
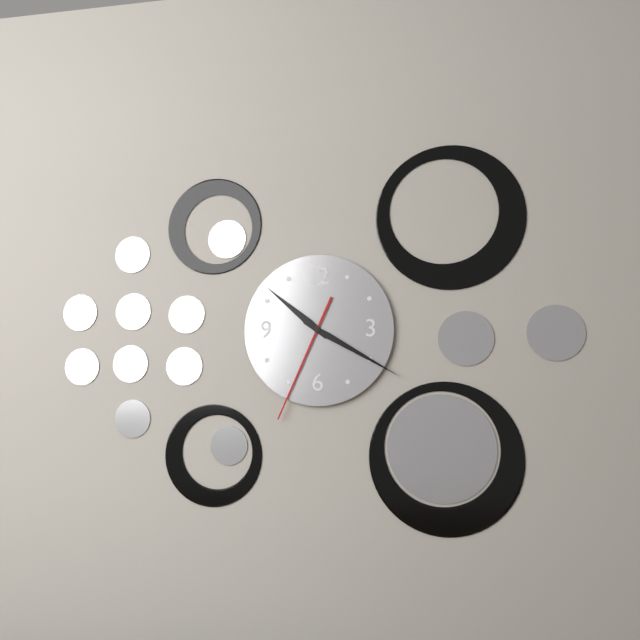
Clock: 10:20:34
